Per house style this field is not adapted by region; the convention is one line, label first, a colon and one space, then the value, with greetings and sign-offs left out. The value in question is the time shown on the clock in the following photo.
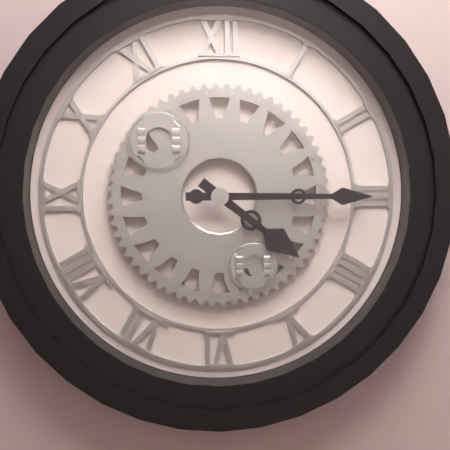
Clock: 4:15
